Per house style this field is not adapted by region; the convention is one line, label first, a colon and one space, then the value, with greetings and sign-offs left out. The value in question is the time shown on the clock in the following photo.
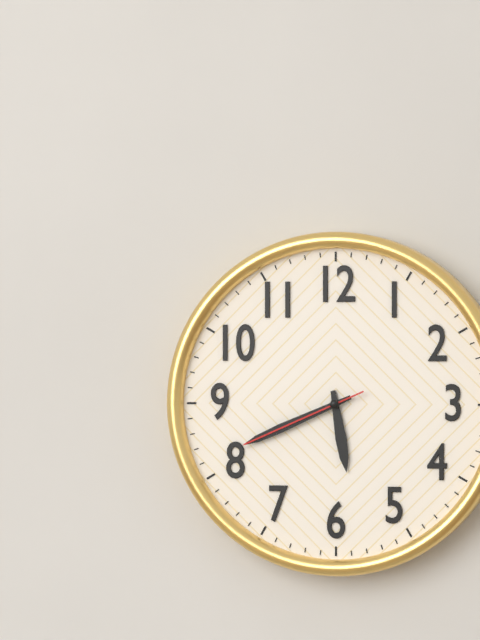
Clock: 5:41:41
